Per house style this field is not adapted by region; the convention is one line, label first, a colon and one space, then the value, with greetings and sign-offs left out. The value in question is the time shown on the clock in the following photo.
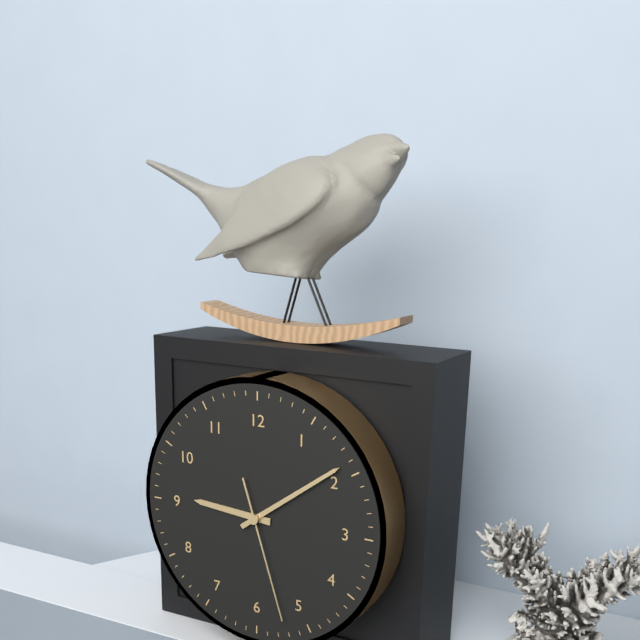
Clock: 9:09:27
